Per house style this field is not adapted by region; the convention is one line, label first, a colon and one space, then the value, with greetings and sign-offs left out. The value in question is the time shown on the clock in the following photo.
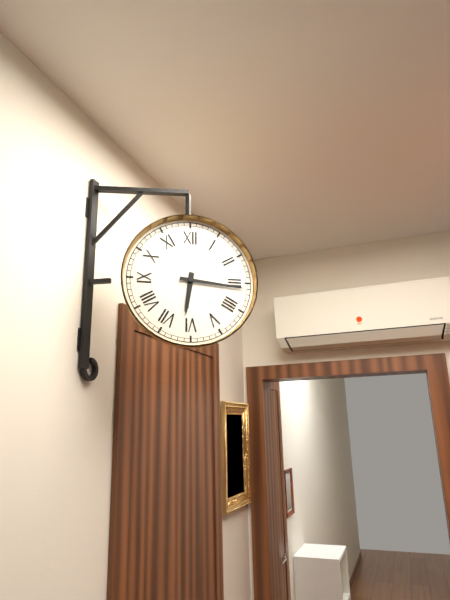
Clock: 6:16
